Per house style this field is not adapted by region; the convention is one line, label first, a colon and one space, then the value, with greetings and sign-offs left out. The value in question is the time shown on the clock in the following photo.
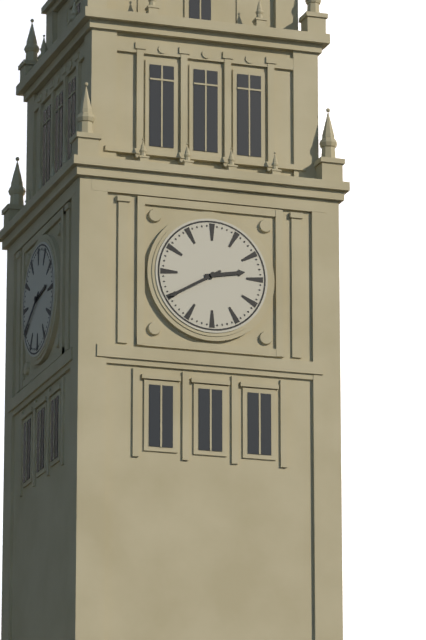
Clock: 2:40
